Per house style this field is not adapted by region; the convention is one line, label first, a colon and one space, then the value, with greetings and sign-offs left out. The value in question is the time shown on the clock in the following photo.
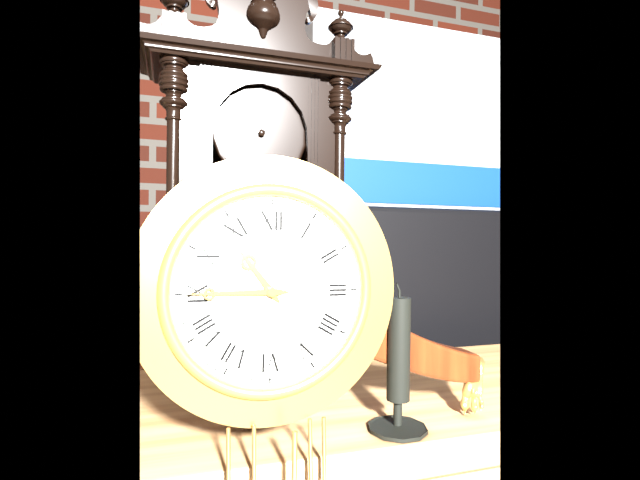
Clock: 10:45
